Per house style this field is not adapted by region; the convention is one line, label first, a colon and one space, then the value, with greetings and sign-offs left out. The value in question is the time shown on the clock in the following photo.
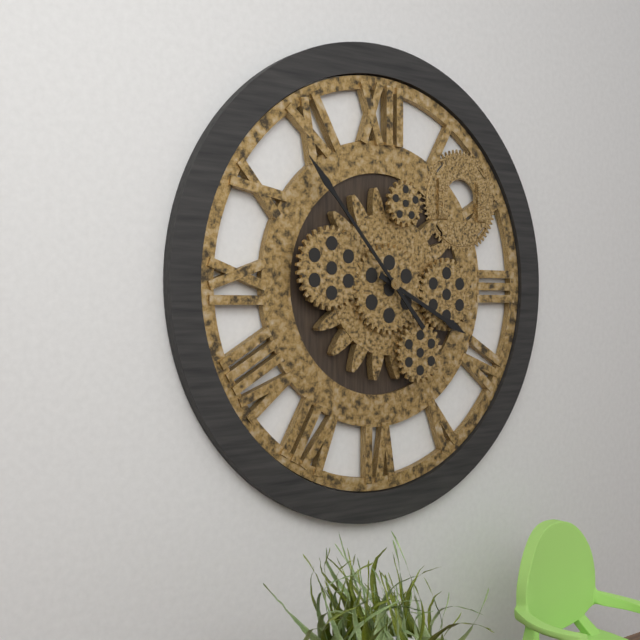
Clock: 3:53
